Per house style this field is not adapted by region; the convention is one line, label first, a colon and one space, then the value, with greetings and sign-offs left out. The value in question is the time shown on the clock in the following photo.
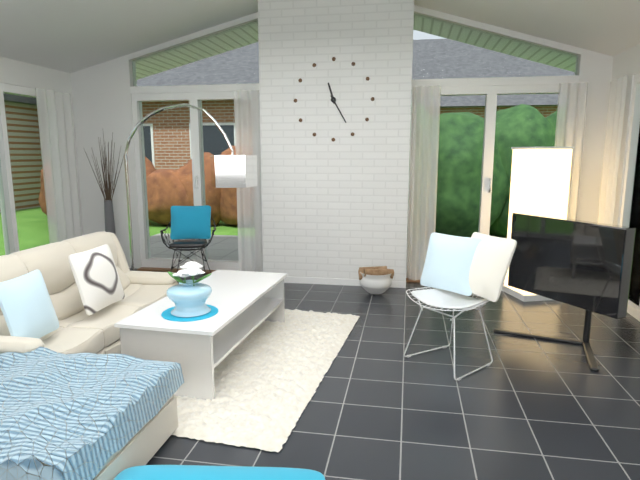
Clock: 11:25
